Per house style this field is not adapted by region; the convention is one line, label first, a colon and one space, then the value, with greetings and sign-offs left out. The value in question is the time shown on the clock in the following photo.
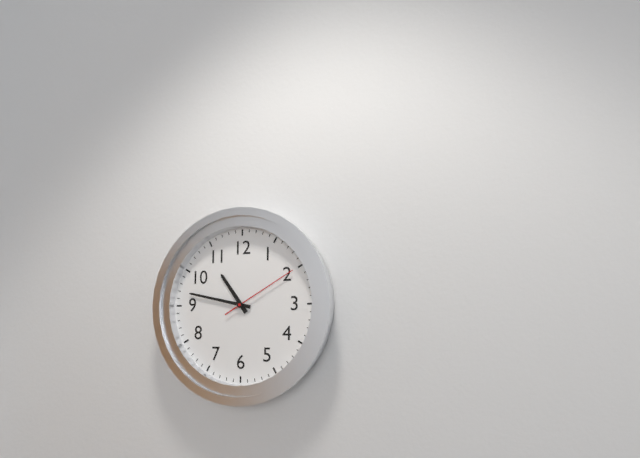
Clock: 10:47:10
